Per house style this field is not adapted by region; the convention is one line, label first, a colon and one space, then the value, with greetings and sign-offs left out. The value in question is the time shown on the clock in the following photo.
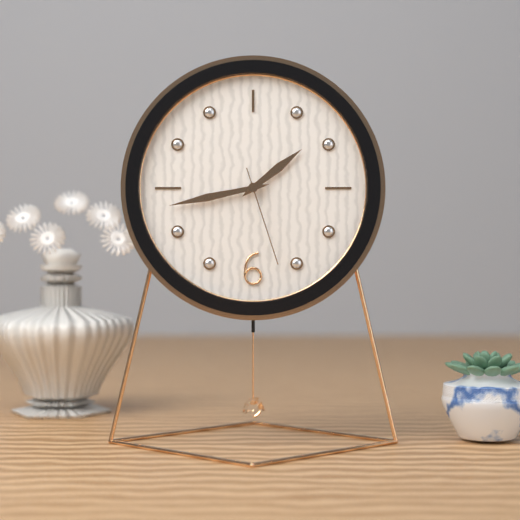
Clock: 1:43:27
